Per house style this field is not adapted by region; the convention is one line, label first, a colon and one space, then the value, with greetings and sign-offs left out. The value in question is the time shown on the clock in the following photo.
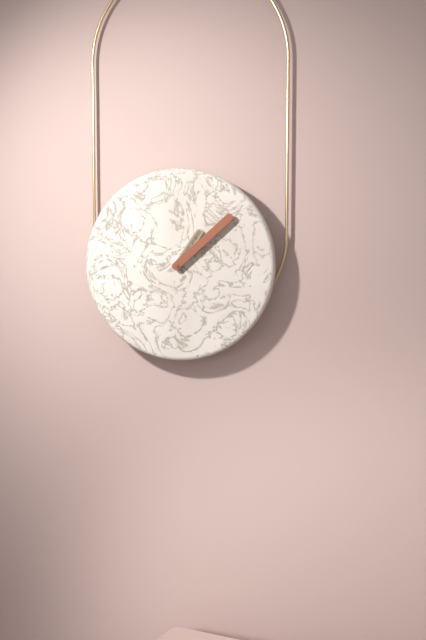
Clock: 1:08
